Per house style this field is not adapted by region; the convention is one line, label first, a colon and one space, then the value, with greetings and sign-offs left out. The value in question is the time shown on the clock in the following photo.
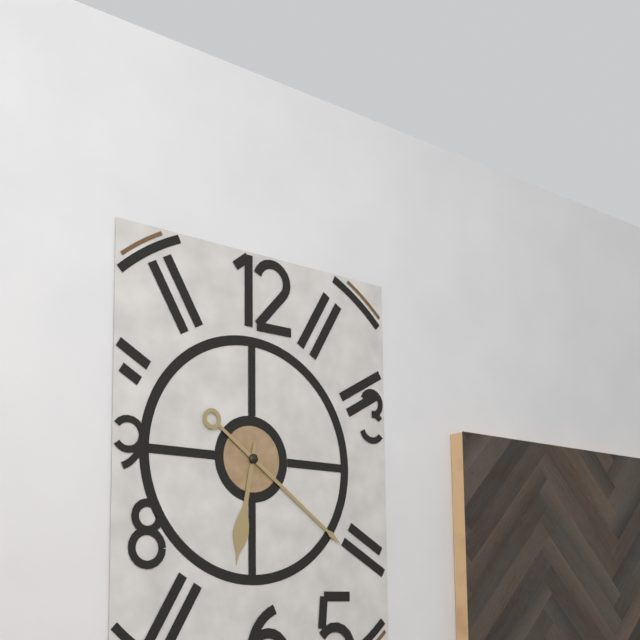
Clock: 6:21
